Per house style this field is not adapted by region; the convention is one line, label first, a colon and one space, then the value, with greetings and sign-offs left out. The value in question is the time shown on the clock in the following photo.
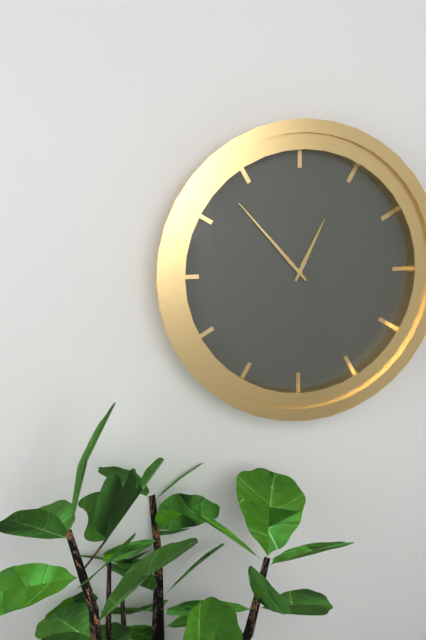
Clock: 12:53
